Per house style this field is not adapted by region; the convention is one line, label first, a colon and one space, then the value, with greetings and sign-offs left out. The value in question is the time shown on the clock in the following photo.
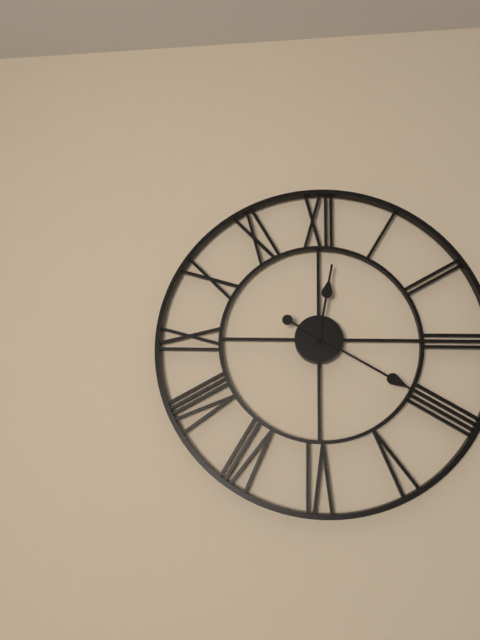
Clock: 12:20
